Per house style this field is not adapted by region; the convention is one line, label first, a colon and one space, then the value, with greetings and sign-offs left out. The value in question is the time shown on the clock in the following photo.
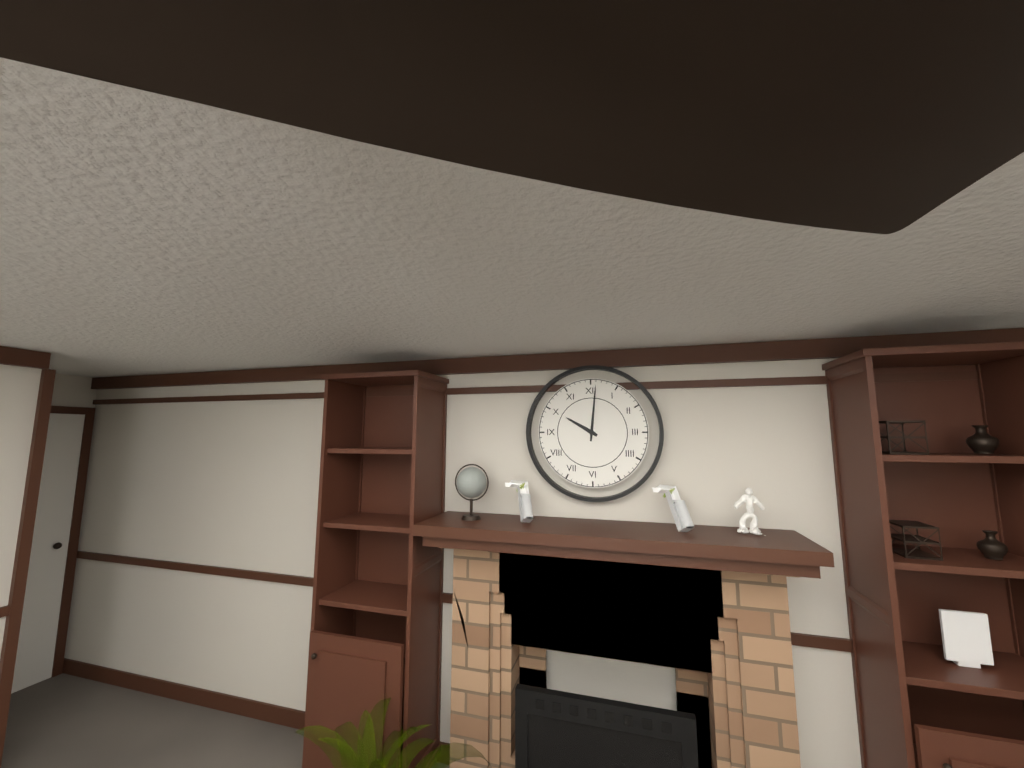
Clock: 10:01
